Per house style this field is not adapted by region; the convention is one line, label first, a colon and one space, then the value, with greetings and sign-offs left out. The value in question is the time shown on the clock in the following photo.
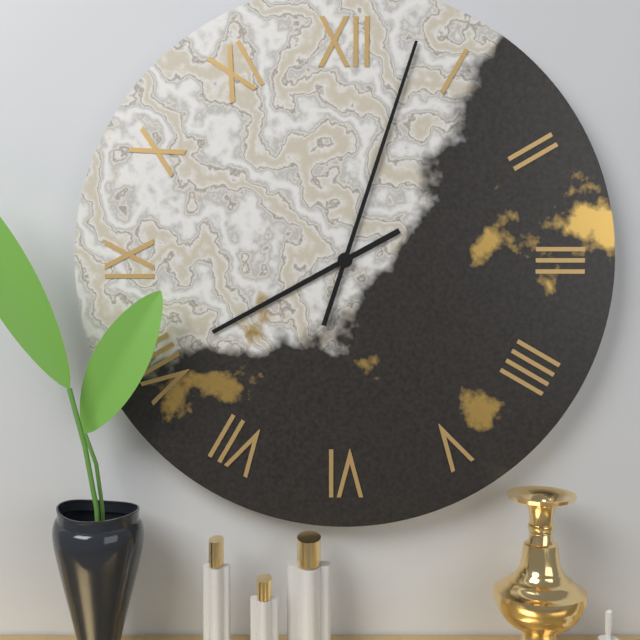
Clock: 8:03
